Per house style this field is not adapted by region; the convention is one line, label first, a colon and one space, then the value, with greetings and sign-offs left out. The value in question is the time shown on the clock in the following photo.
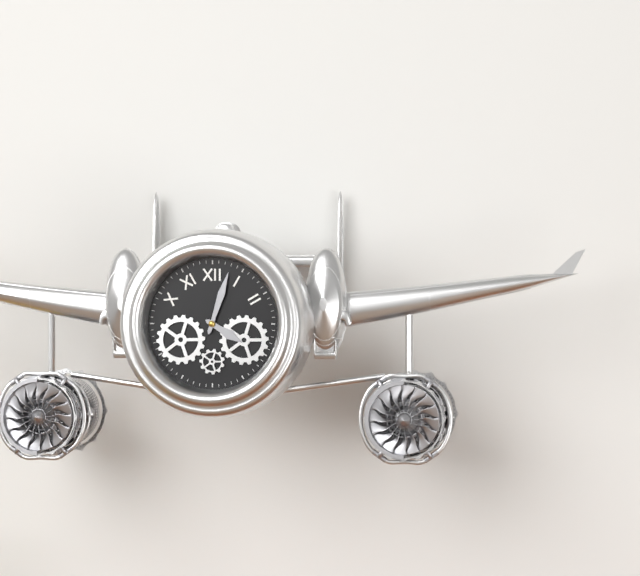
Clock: 4:03
